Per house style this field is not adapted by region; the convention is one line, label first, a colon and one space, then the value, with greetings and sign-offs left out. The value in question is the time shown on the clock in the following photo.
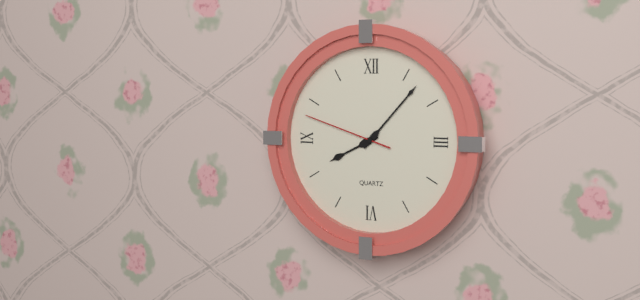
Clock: 8:07:48
